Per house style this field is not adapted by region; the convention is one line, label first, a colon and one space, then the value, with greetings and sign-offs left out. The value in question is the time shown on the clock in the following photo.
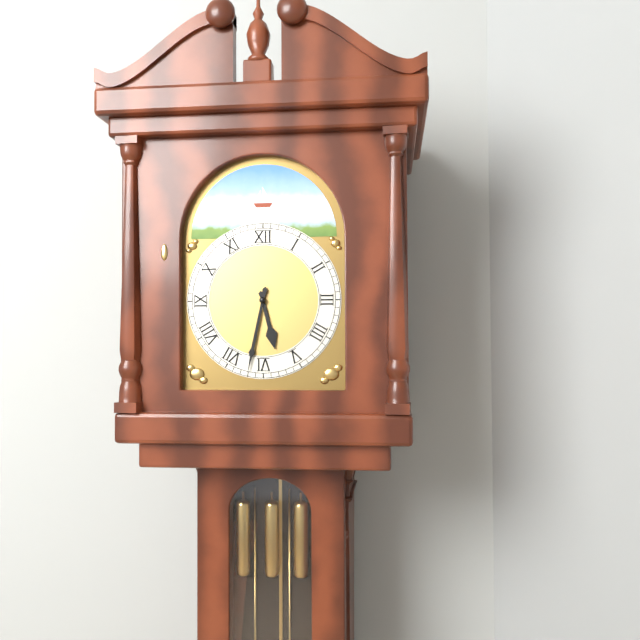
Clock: 5:32
